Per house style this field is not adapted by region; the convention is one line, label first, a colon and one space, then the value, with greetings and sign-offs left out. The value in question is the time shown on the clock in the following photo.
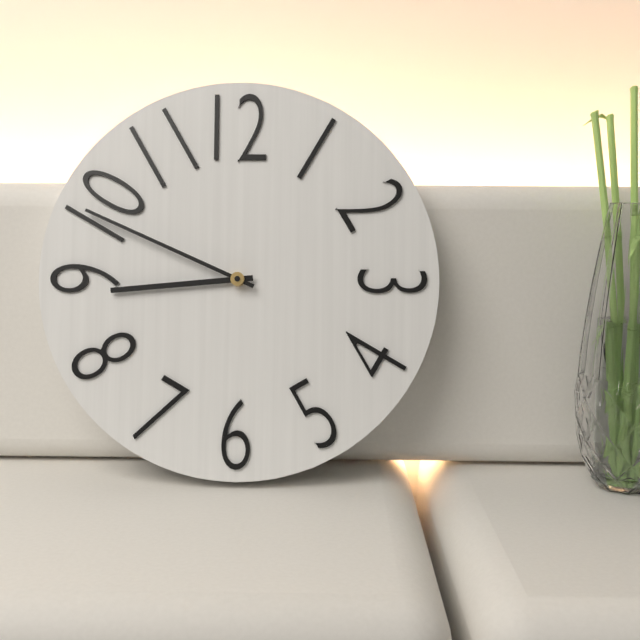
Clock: 8:49
